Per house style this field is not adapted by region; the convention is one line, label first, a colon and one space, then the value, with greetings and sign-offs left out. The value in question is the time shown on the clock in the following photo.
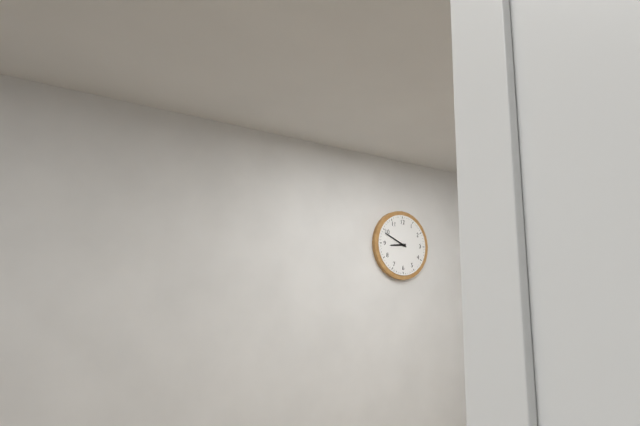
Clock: 8:49
